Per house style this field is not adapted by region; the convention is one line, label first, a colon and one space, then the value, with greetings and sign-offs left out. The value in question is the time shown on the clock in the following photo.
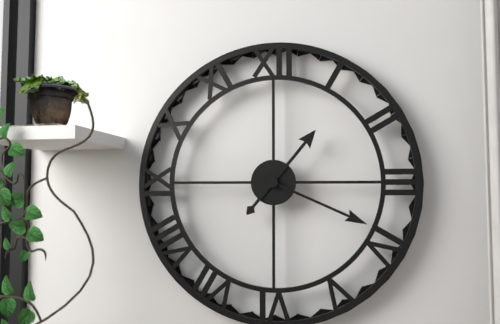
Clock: 1:19
